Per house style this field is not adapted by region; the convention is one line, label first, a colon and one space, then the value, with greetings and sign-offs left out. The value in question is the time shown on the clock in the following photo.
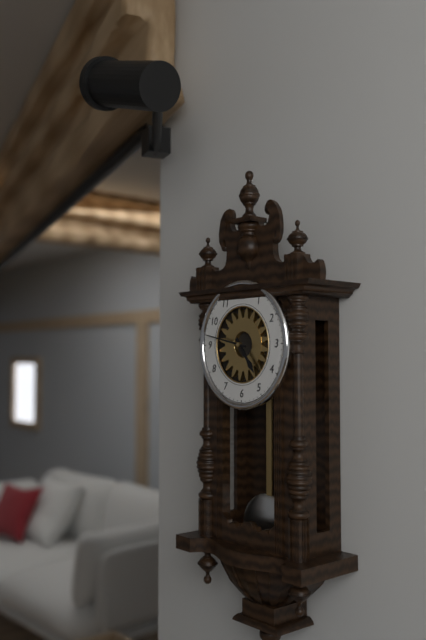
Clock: 4:47
